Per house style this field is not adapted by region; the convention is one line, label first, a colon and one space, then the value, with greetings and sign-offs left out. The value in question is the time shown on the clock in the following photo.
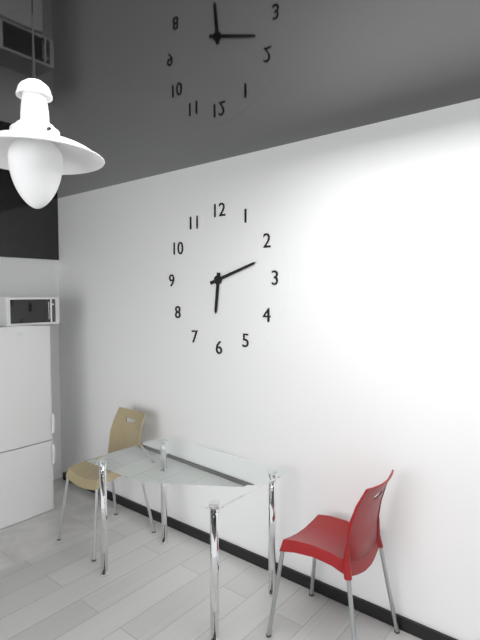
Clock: 6:12
